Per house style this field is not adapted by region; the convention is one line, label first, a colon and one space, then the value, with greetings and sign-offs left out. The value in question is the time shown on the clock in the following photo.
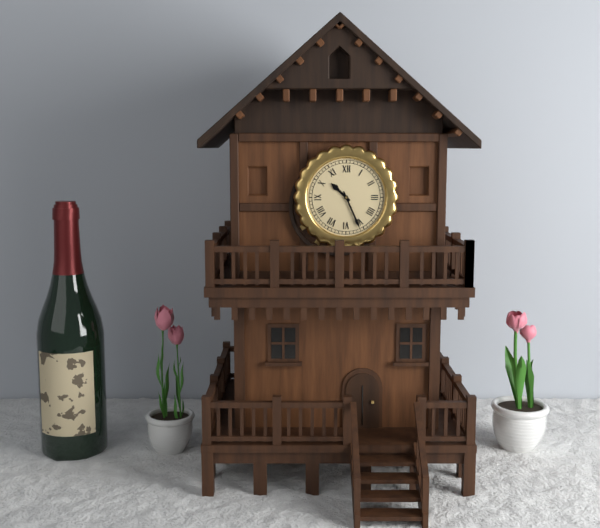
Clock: 10:26
